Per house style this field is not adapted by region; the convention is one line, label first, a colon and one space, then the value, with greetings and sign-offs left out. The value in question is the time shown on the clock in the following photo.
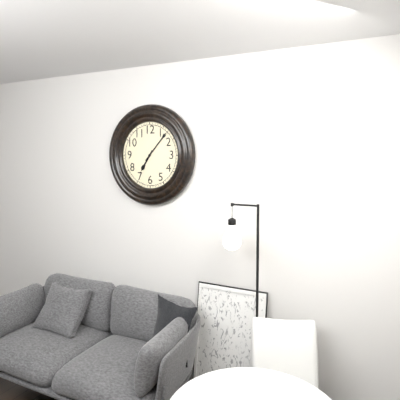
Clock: 7:07
